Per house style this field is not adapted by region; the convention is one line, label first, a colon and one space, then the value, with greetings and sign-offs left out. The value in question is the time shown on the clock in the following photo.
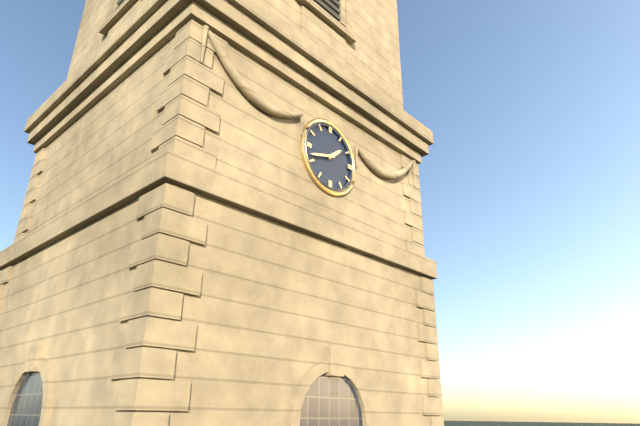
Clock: 1:42
